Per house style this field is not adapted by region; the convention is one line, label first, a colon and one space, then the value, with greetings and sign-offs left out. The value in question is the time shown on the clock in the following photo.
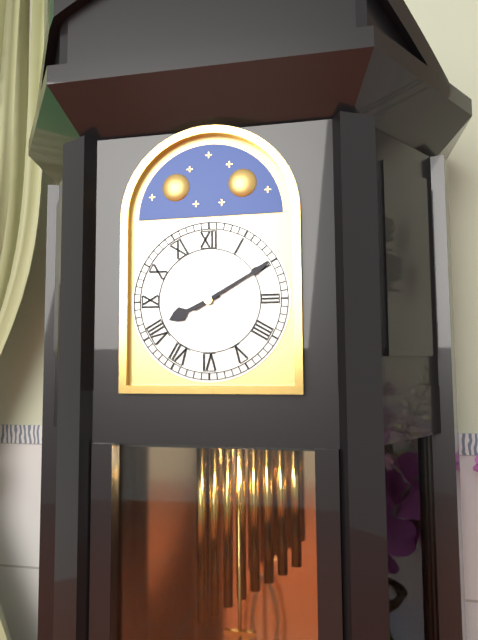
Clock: 8:10
